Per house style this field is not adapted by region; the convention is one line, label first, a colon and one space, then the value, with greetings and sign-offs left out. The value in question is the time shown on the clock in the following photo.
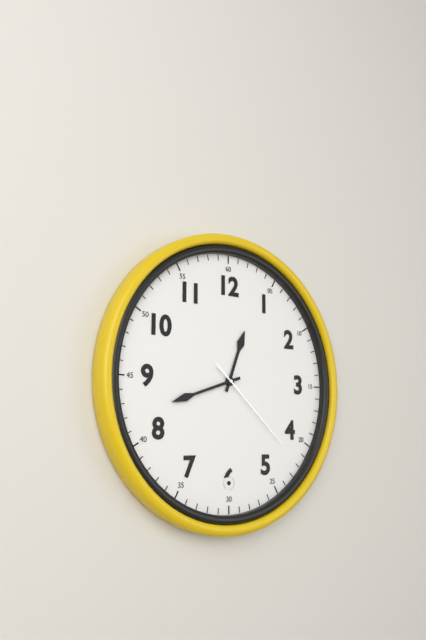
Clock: 12:42:22
